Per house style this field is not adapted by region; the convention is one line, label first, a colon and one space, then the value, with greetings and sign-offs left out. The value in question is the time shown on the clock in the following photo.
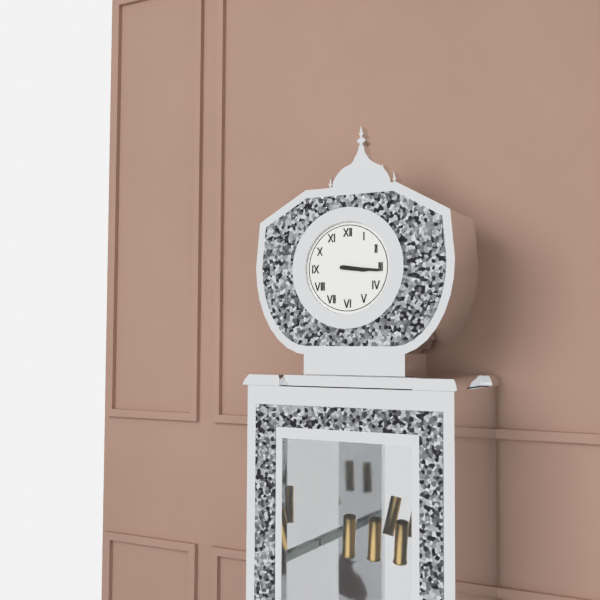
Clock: 3:16
